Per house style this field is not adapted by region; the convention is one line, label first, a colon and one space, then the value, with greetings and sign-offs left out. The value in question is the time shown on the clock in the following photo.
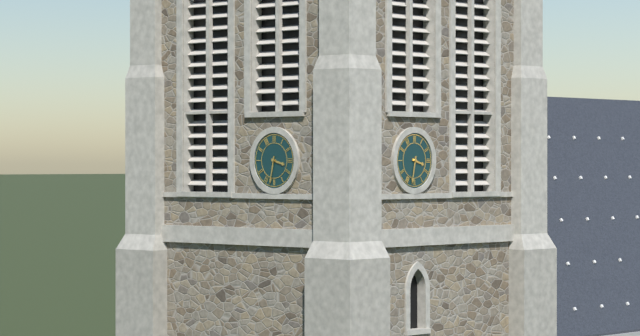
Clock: 3:32
